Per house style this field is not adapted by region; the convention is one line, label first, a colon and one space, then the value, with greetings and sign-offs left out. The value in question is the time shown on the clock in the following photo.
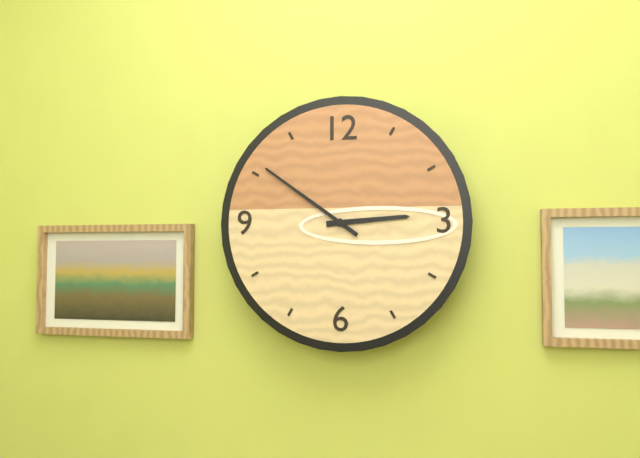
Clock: 2:51
